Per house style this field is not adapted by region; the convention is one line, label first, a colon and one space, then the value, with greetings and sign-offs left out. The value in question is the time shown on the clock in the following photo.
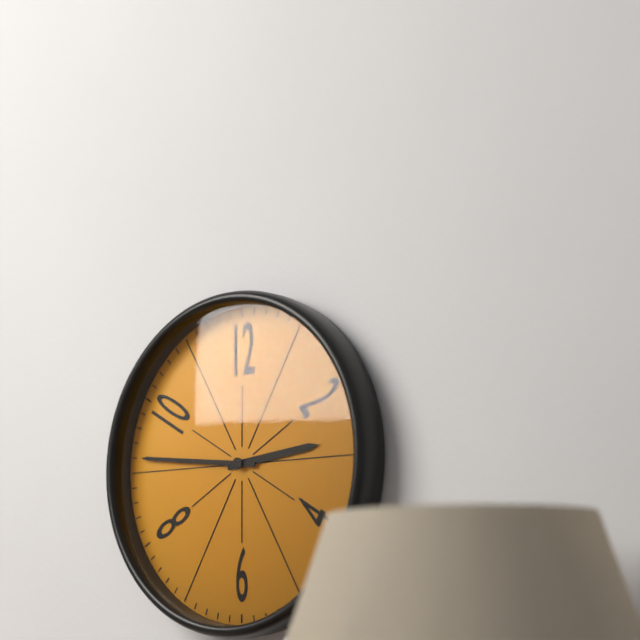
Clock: 2:46
